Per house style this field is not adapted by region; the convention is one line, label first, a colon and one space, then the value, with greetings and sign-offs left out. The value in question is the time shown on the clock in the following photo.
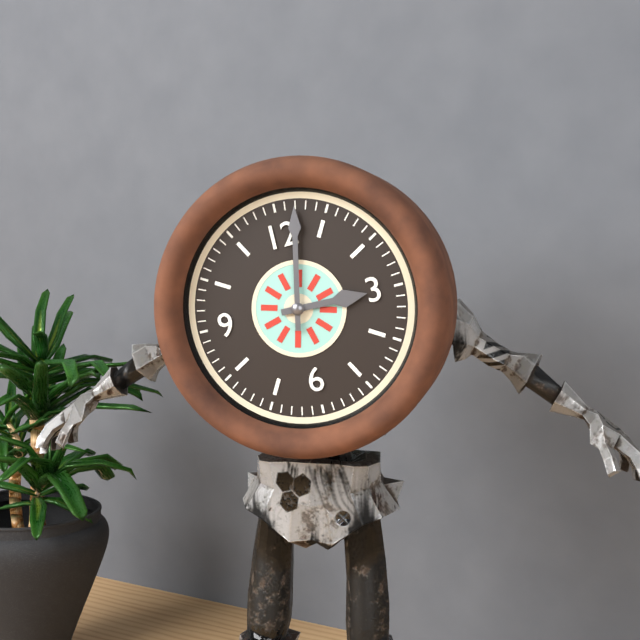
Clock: 3:02
